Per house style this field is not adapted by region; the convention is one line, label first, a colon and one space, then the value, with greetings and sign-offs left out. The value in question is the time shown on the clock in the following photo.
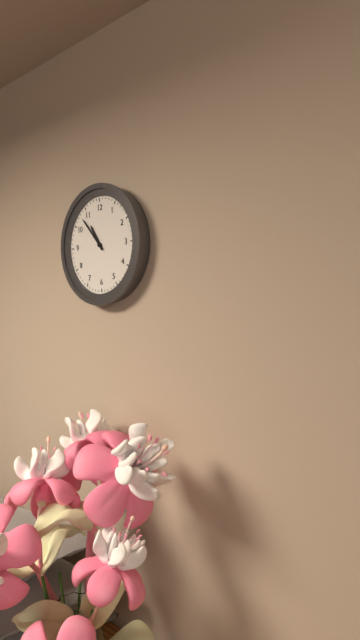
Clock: 10:53
